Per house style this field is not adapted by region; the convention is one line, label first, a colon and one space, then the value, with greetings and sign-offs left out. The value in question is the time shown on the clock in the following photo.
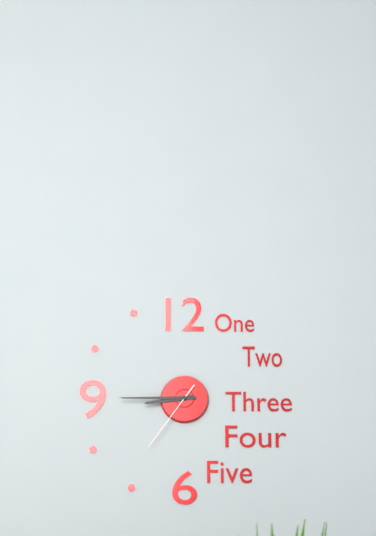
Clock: 8:45:36
